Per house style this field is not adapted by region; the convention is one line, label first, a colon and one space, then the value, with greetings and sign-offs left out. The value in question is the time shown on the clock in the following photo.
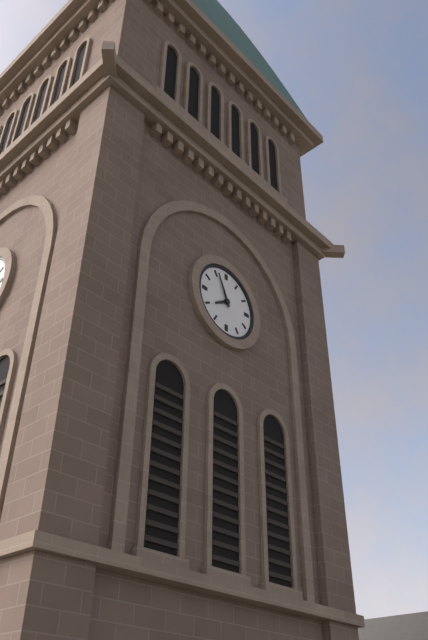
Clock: 7:56
